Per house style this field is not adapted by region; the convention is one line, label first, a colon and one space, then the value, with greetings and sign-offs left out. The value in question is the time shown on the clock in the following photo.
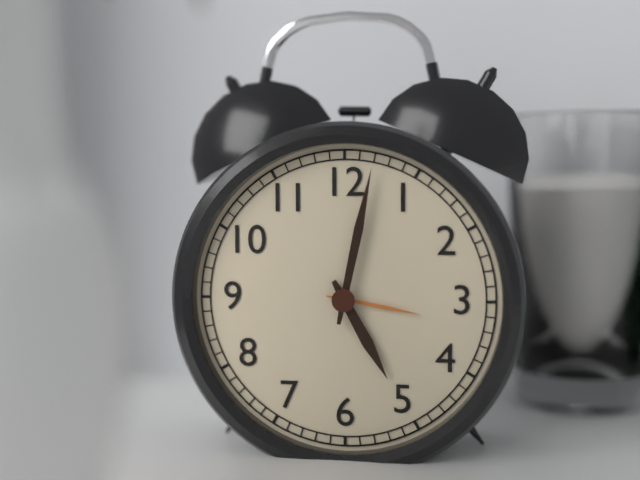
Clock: 5:02
